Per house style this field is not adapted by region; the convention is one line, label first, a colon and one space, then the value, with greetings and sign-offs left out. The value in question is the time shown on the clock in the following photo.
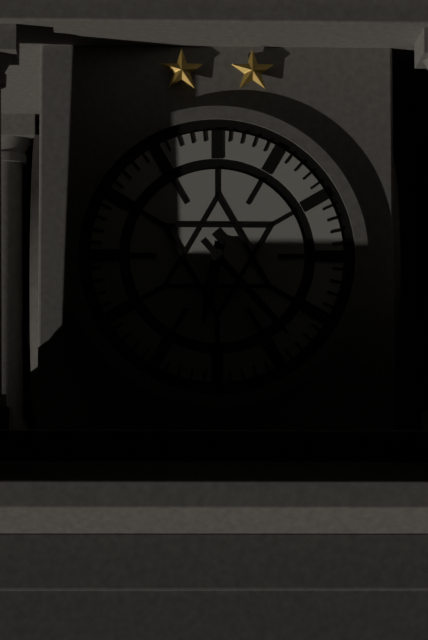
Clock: 6:23
